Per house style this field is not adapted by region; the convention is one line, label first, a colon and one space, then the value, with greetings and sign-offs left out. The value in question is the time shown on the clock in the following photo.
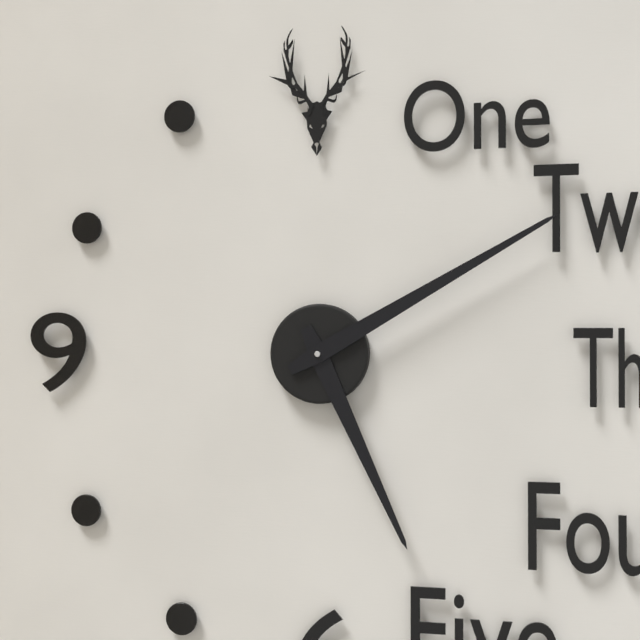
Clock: 5:10
